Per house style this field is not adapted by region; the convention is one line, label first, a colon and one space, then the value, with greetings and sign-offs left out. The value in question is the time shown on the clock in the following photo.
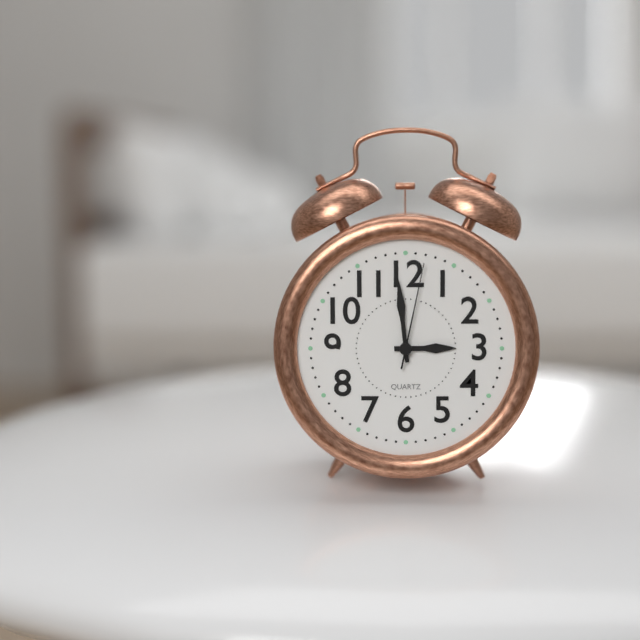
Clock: 2:59:02
